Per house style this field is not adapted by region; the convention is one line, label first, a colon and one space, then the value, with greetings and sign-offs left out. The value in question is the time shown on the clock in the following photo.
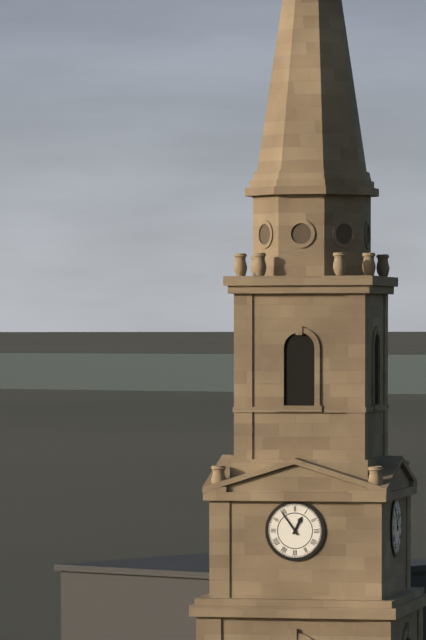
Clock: 12:54
